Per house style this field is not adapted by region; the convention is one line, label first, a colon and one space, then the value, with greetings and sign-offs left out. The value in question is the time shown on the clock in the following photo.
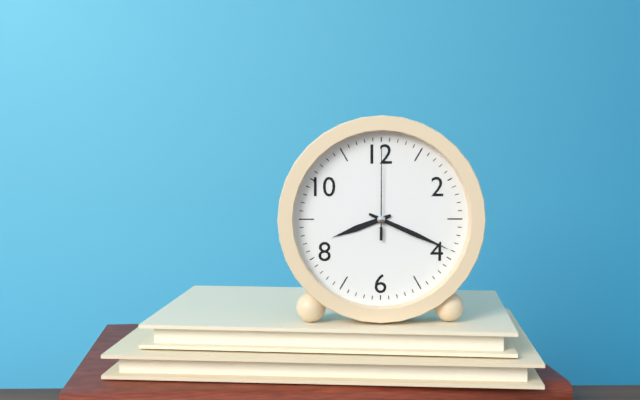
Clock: 8:19:00
